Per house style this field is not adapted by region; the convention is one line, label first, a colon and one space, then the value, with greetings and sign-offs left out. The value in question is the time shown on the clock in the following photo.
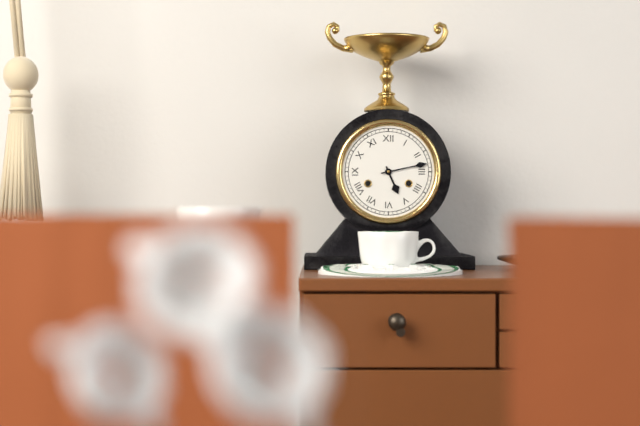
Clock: 5:13
